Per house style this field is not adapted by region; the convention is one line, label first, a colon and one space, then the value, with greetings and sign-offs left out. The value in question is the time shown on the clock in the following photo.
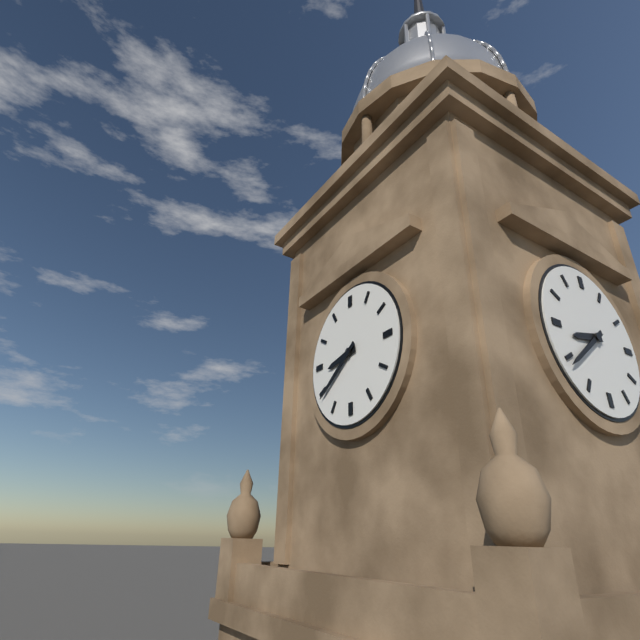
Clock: 8:39
